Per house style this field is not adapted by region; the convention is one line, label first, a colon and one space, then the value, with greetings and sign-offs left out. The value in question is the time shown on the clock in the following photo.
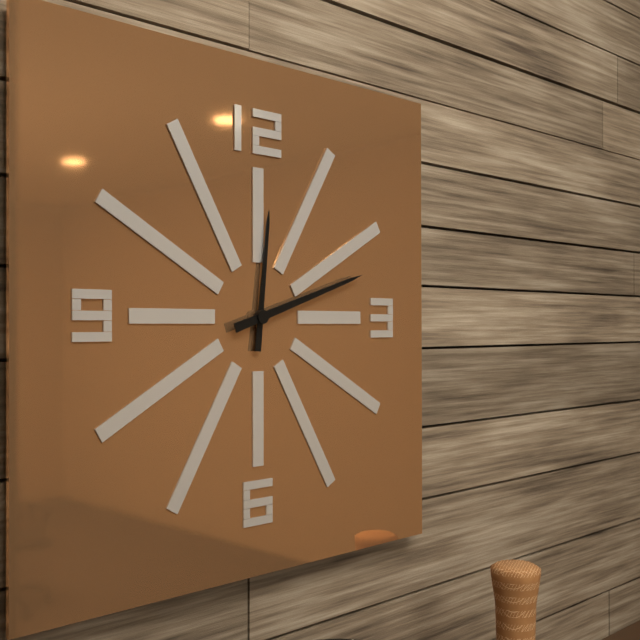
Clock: 12:12
